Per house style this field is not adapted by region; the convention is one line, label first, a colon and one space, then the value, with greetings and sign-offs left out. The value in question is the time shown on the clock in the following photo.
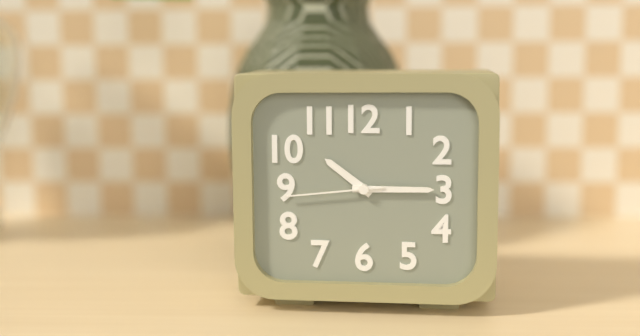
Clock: 10:15:44
